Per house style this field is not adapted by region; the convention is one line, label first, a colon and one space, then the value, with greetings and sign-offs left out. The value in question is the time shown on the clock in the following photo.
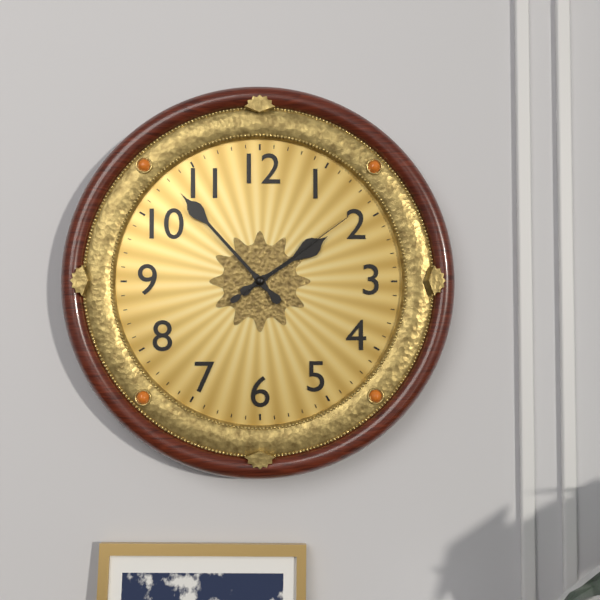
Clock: 1:53:09
